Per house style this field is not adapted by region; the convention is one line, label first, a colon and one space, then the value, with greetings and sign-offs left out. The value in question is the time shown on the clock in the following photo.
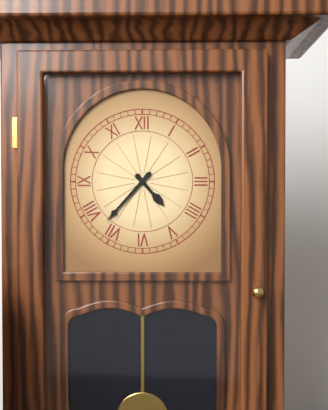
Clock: 4:37
